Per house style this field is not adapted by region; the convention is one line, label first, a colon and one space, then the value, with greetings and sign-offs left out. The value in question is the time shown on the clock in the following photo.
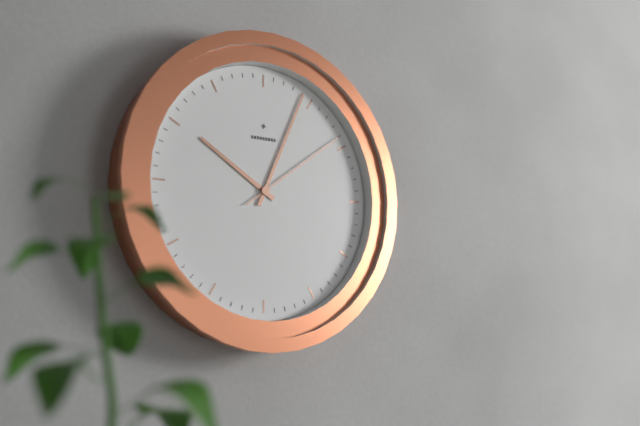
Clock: 10:04:09
